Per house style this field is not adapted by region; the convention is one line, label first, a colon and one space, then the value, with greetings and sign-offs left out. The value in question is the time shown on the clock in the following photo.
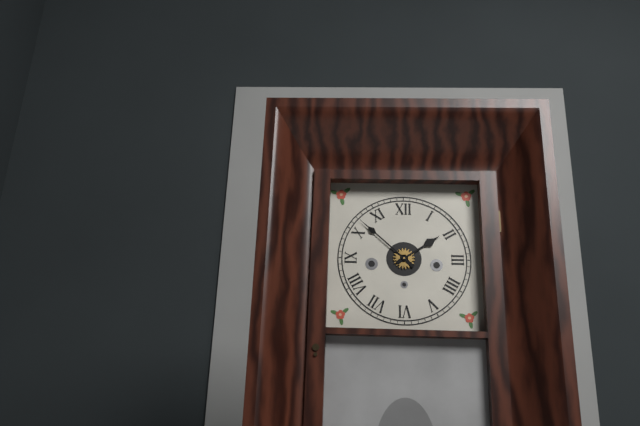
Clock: 1:52
